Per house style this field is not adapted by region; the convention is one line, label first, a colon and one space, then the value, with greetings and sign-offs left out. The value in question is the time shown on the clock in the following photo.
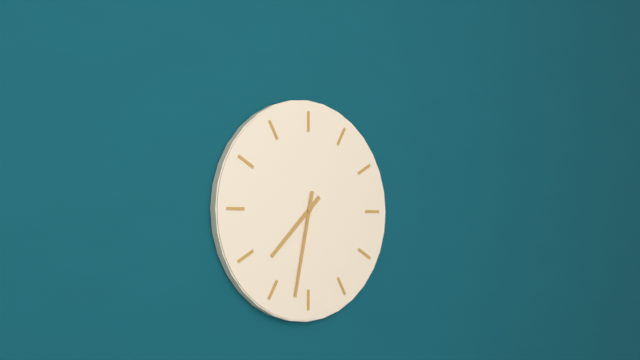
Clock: 7:32
